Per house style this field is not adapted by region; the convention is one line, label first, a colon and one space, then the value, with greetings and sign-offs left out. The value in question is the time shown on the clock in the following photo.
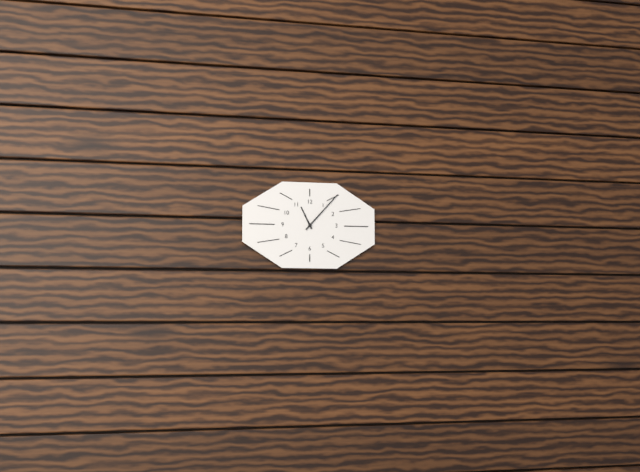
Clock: 11:07
